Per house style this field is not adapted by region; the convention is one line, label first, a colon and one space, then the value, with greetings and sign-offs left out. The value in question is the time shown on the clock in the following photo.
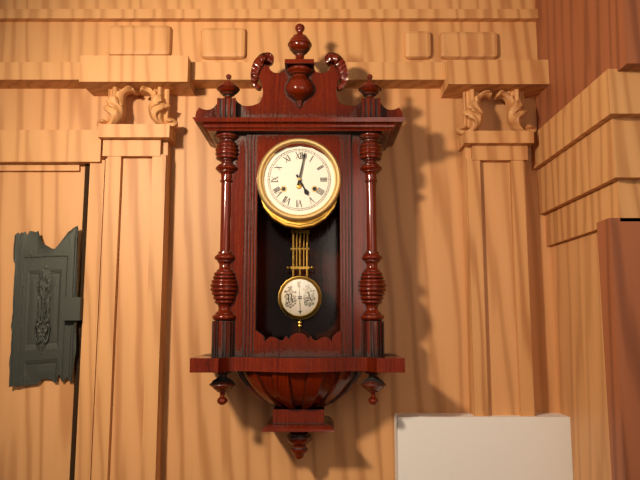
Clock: 5:02
